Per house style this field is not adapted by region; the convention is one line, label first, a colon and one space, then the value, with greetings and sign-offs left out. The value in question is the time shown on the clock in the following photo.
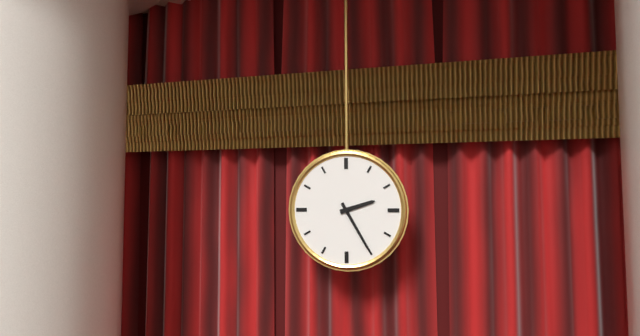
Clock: 2:25
